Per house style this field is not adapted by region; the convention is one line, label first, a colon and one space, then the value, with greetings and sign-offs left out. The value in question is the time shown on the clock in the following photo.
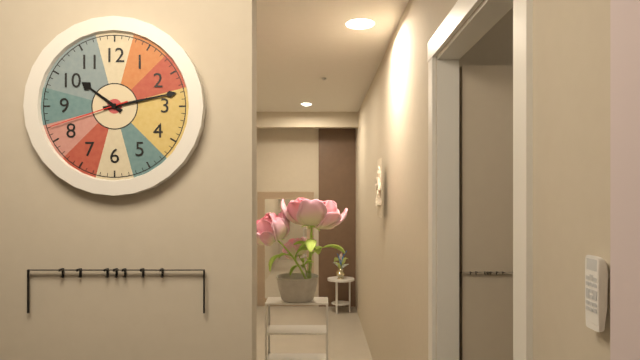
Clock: 10:13:42
